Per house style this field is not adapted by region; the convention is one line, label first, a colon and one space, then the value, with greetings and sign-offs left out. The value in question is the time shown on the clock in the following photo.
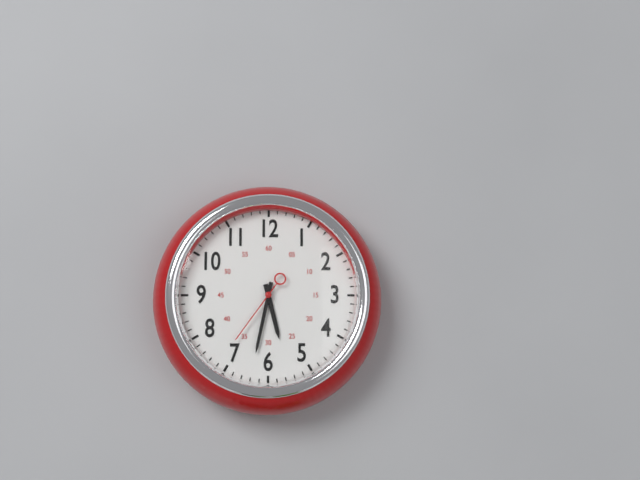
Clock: 5:32:36
